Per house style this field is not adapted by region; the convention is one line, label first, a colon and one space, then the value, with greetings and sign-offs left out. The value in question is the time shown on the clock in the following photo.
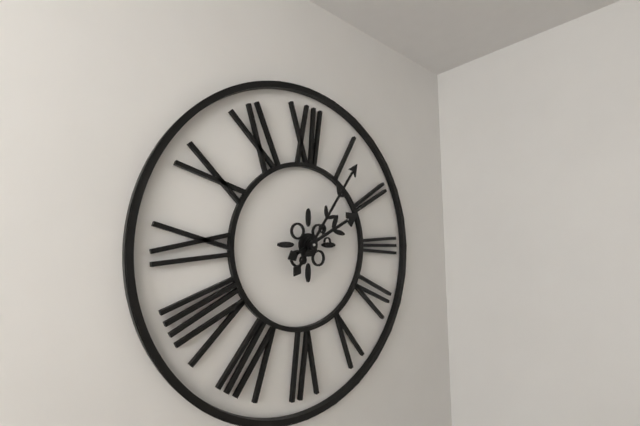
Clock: 2:06
